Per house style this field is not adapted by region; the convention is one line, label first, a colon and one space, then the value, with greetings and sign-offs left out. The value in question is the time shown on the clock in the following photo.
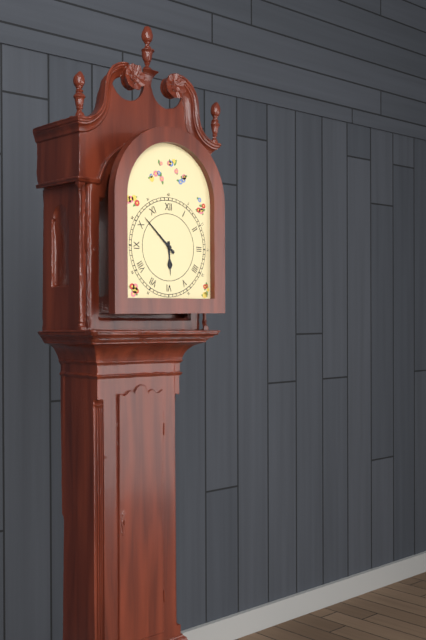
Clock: 5:52
